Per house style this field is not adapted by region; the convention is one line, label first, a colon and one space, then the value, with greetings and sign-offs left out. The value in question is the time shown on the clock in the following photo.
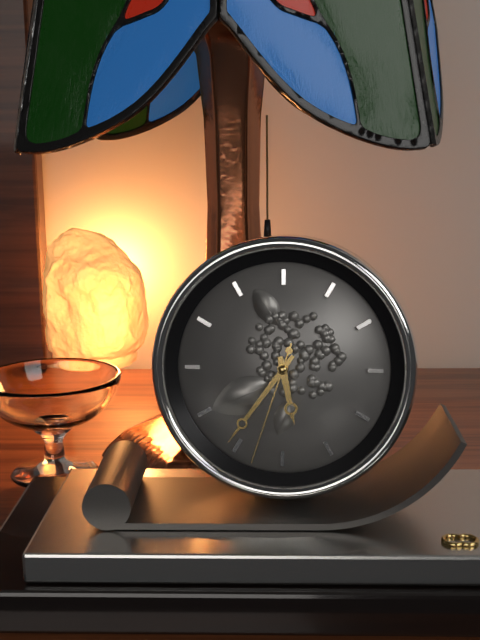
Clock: 5:36:33
